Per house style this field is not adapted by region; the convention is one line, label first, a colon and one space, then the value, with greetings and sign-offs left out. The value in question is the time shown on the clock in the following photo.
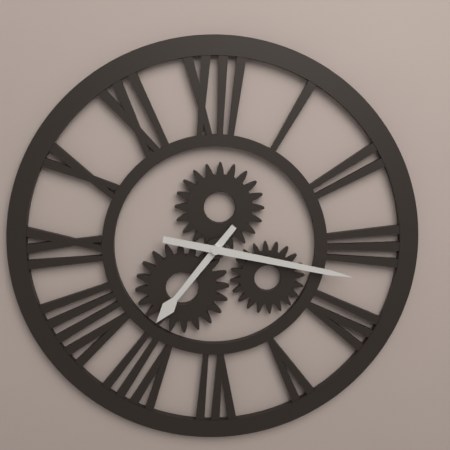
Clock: 7:17
